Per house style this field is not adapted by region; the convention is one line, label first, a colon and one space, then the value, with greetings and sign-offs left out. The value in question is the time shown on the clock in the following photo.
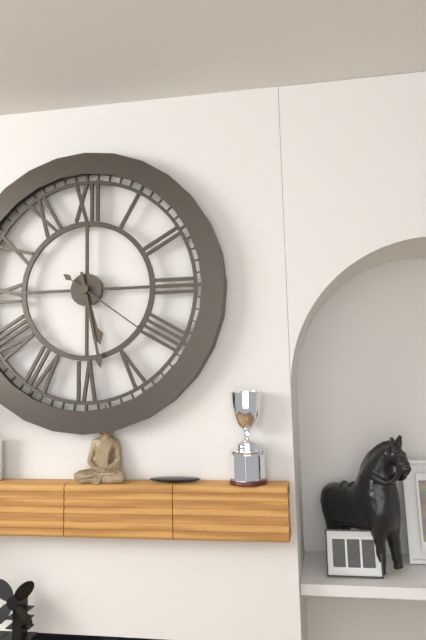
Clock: 5:28:21
